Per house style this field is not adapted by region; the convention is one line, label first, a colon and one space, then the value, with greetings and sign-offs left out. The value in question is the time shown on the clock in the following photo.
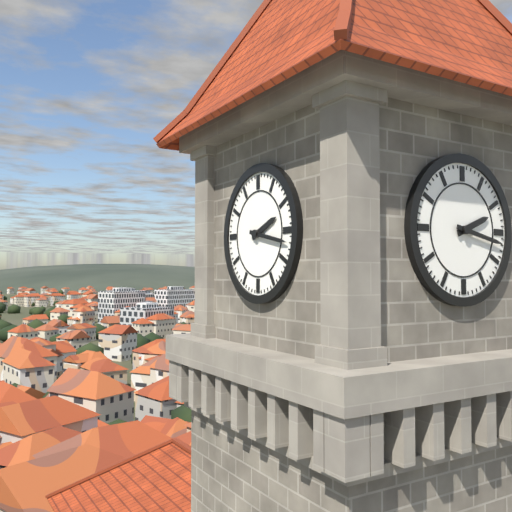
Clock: 2:17
